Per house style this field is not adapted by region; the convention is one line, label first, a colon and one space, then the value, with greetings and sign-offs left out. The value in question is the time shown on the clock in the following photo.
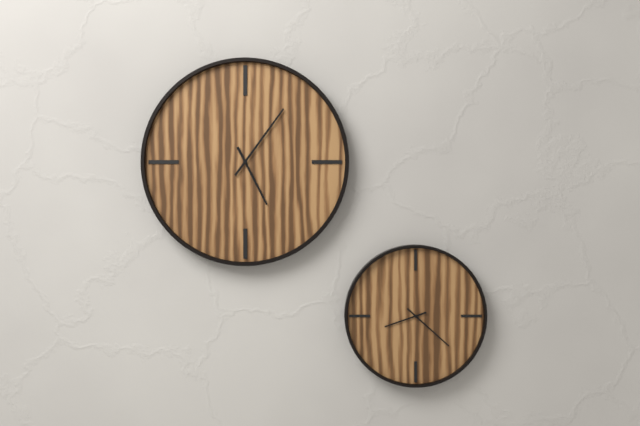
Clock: 5:06
